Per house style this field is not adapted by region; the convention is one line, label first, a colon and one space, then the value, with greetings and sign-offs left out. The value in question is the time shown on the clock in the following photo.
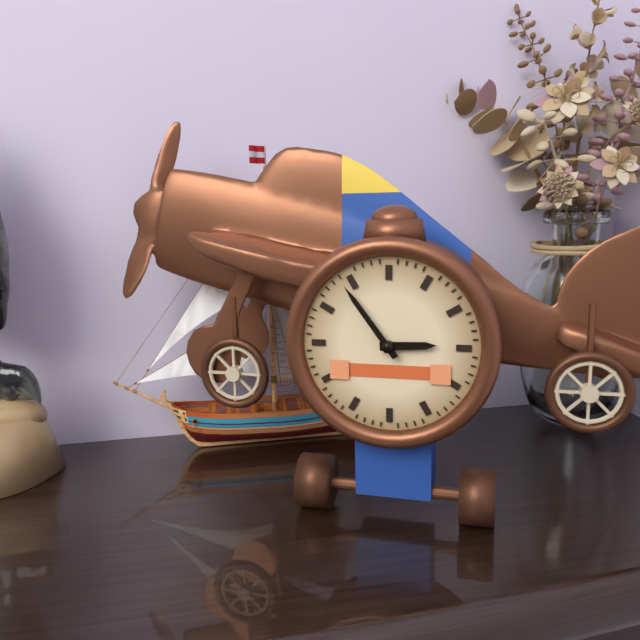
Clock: 2:54
